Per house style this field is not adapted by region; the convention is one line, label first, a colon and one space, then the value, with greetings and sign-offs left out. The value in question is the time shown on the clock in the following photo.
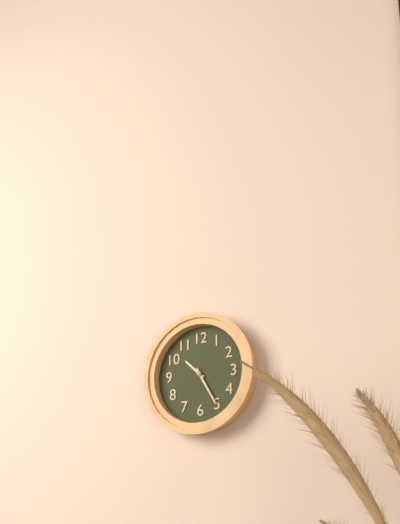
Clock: 10:25
